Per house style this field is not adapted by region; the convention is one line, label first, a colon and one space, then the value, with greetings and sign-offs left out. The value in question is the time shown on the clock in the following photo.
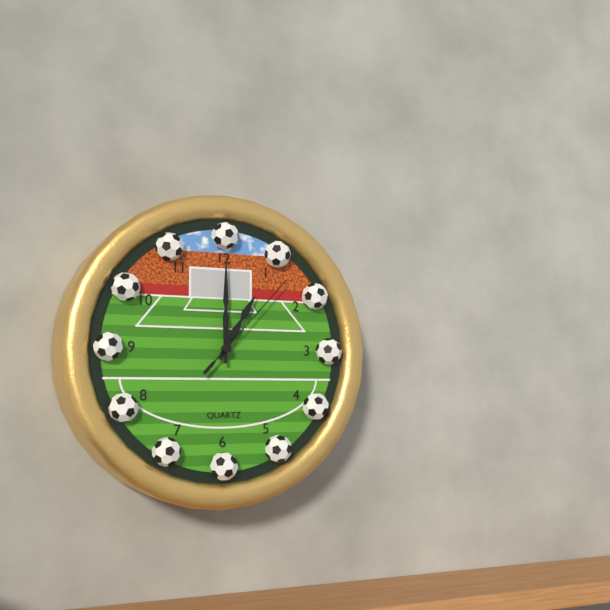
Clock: 1:00:07
